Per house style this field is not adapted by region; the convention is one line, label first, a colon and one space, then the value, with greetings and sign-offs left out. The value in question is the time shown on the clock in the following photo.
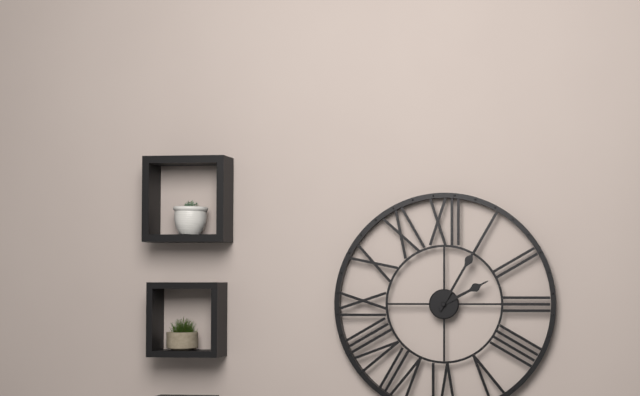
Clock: 2:05
